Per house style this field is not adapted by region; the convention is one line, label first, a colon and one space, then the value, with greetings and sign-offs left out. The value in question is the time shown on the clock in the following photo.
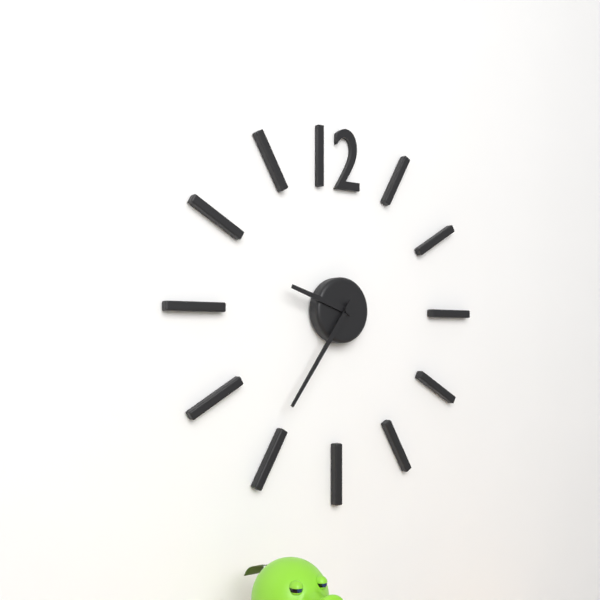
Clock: 9:36
